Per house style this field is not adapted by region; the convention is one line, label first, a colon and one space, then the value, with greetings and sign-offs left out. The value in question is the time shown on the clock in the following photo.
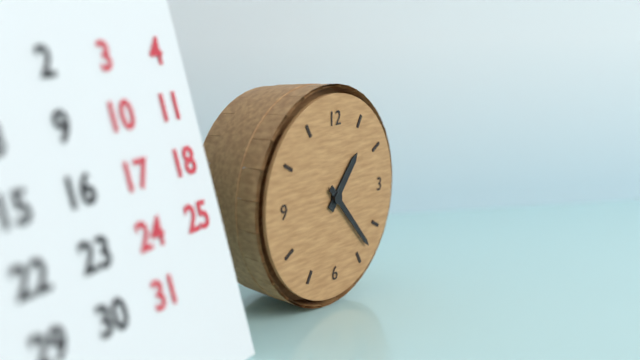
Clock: 1:23
